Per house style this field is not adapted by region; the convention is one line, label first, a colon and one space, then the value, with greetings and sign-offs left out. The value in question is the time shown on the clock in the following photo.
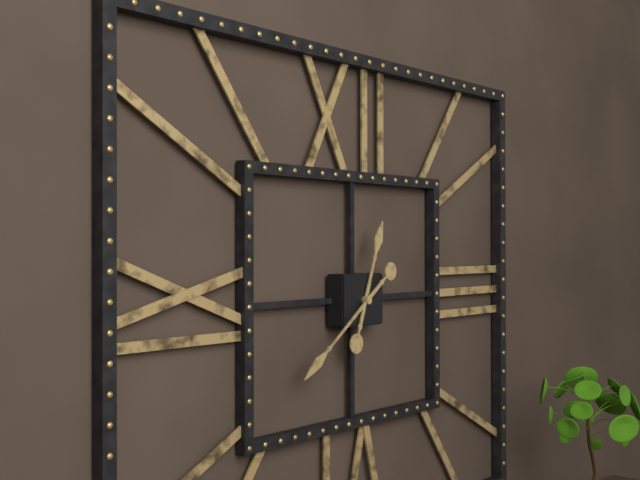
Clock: 12:39
